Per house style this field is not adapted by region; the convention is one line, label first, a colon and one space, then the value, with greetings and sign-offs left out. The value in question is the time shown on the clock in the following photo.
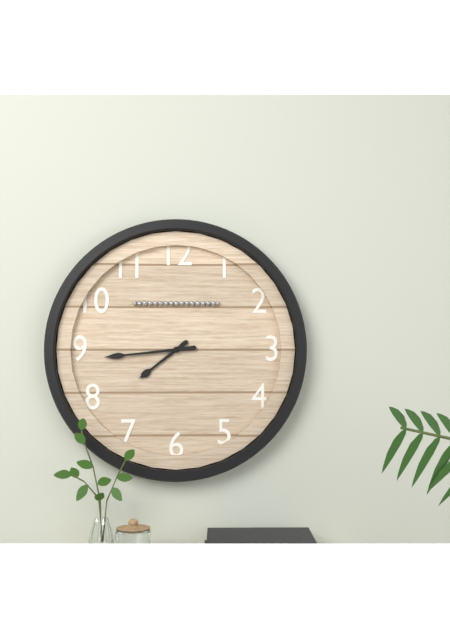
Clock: 7:44
